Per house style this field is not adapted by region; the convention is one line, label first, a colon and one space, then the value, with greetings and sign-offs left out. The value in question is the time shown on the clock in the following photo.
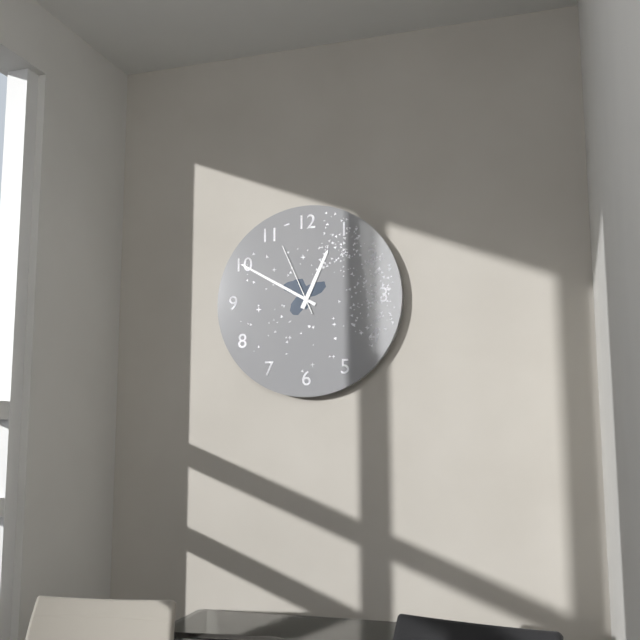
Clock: 12:50:56
